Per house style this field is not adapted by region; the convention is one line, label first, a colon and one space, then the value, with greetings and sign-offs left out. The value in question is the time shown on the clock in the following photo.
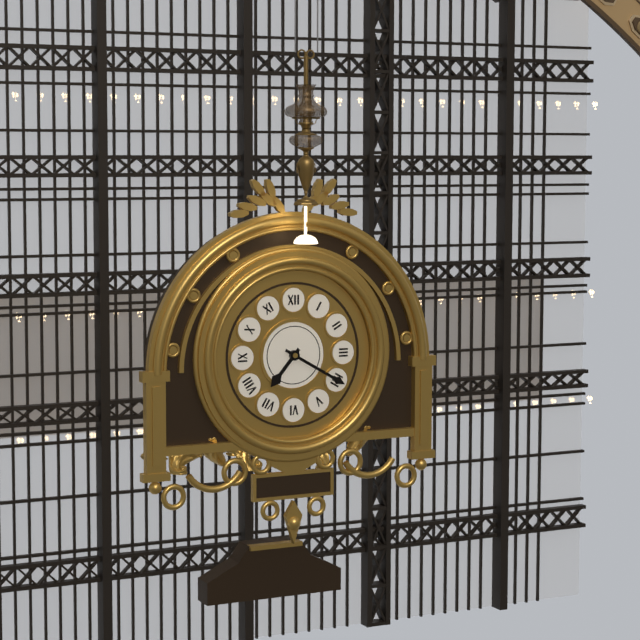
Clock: 7:20
